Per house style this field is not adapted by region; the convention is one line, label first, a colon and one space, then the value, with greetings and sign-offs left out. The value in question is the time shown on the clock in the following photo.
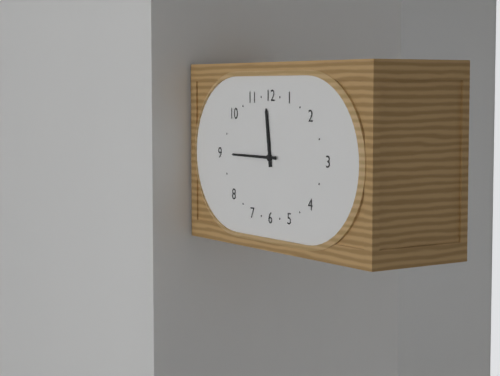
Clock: 11:45
